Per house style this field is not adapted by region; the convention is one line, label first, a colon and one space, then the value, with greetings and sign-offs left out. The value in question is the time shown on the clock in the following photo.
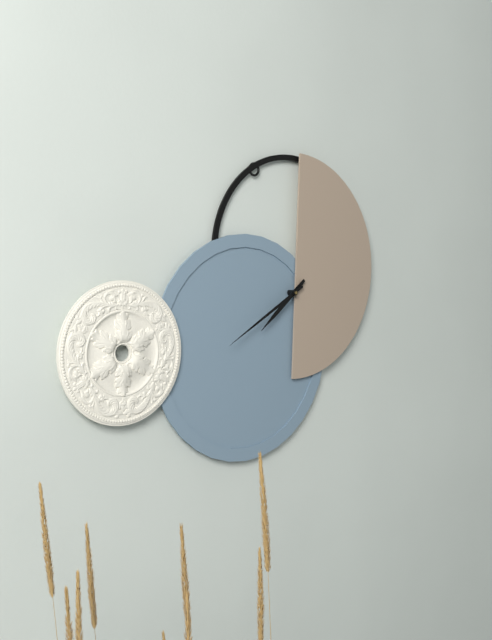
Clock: 7:40
